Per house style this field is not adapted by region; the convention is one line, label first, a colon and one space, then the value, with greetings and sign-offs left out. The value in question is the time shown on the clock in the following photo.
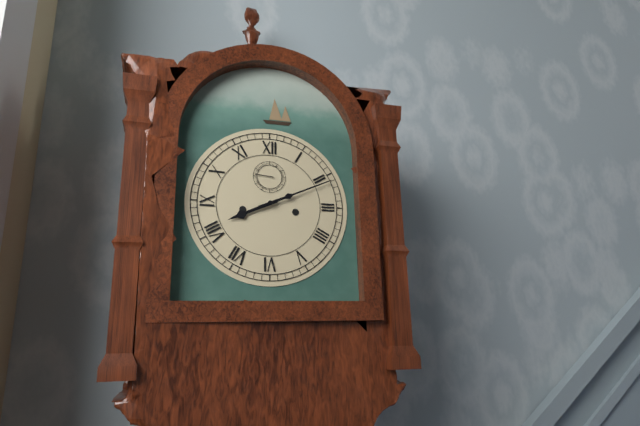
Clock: 8:11
